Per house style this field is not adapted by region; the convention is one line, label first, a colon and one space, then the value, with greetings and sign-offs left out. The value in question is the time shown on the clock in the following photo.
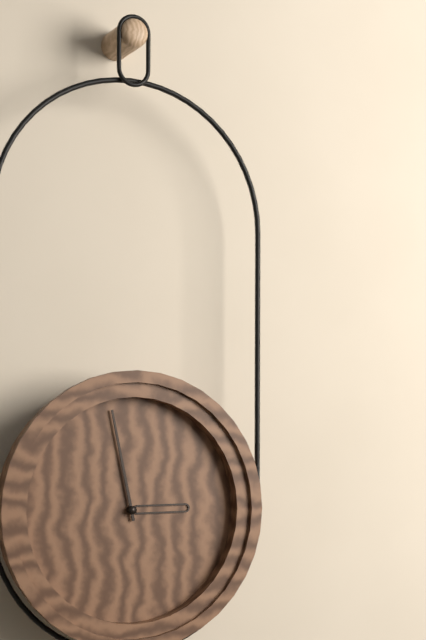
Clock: 2:58
